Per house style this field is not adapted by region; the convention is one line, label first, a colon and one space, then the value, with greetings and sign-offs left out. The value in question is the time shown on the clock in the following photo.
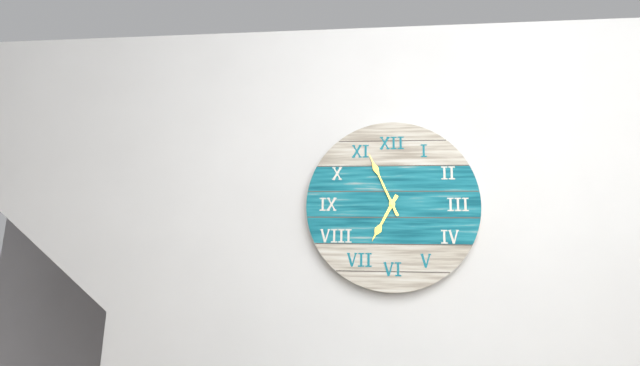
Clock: 6:56
